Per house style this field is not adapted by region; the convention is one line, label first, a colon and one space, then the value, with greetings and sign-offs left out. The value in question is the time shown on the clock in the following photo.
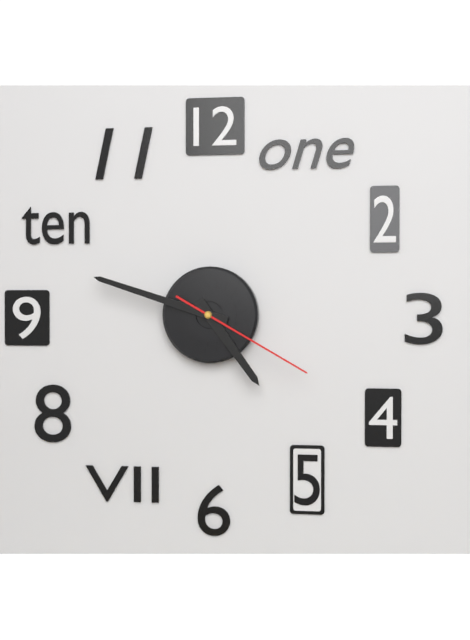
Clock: 4:48:20
